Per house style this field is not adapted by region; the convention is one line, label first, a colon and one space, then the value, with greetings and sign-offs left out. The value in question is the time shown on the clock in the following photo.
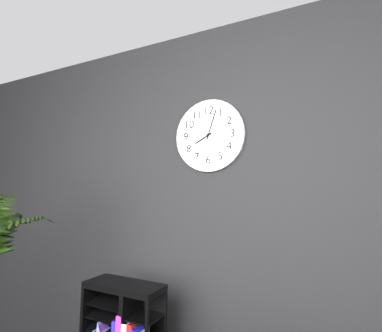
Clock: 8:03
